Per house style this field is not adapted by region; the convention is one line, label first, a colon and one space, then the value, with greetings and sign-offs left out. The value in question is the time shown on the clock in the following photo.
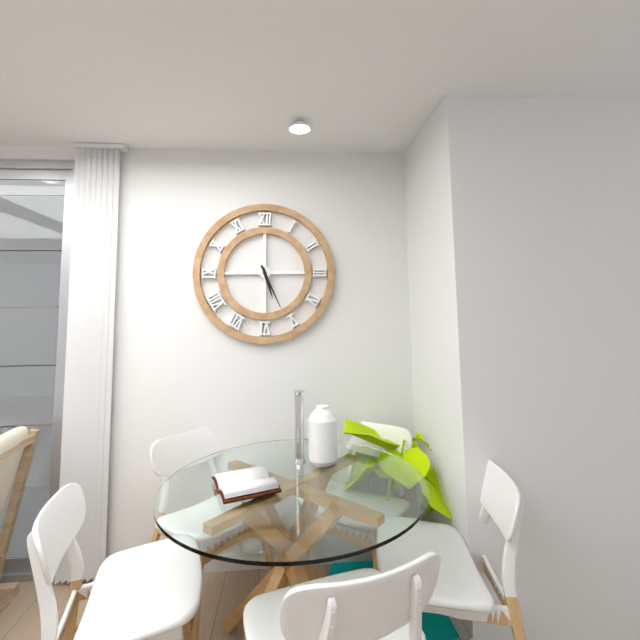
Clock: 5:26
